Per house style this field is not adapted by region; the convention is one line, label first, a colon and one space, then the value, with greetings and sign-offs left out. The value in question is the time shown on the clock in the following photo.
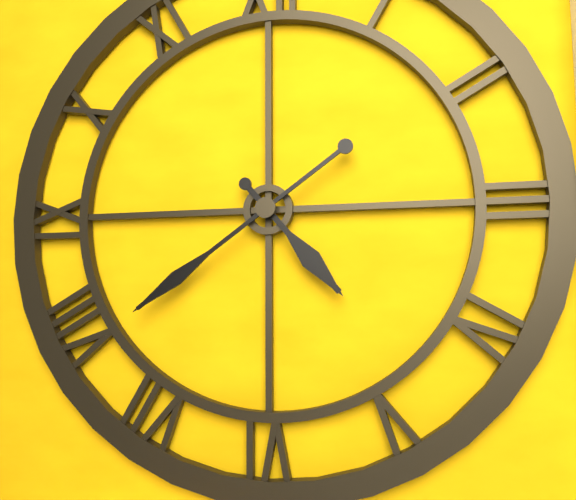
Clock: 4:39
